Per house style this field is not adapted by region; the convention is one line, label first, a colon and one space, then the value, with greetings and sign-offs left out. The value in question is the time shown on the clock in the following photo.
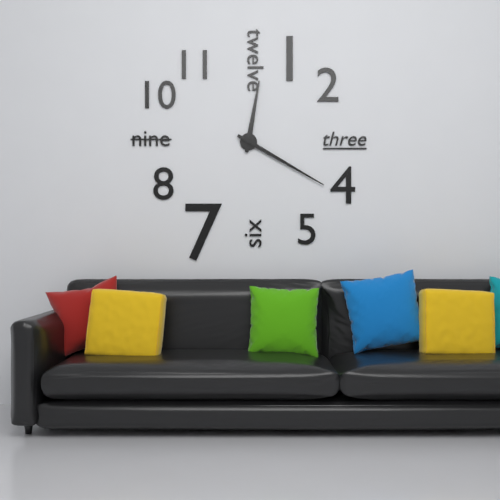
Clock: 12:20
